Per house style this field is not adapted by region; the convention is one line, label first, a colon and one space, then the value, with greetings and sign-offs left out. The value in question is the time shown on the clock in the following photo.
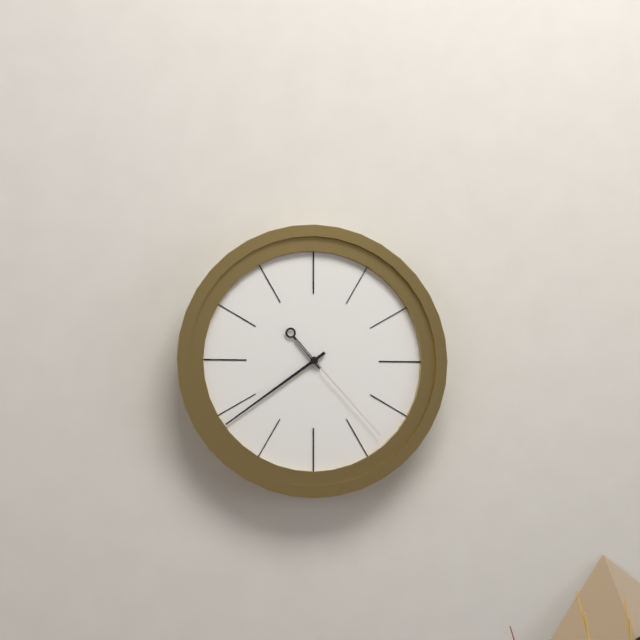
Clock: 10:39:23
